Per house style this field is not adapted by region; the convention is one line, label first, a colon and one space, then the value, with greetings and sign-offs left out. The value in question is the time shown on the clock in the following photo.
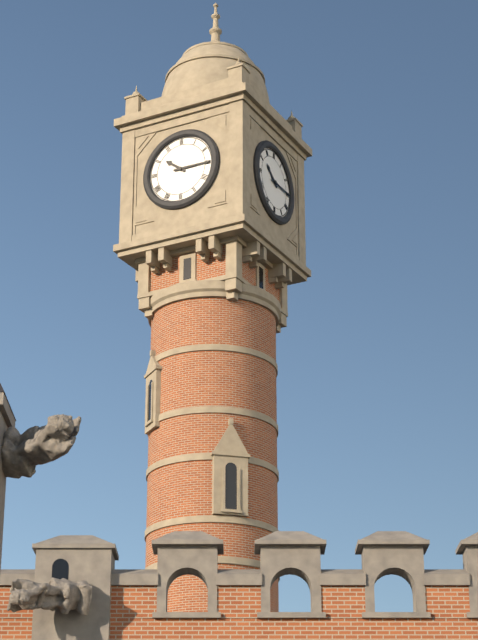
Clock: 10:15
